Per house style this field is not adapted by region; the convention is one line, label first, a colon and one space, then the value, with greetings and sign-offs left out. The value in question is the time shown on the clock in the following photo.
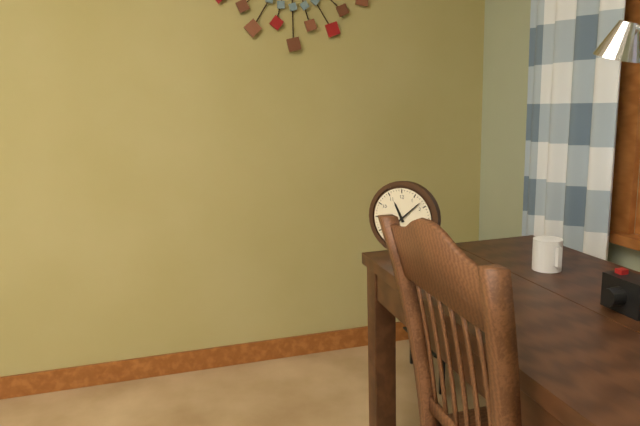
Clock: 11:08
